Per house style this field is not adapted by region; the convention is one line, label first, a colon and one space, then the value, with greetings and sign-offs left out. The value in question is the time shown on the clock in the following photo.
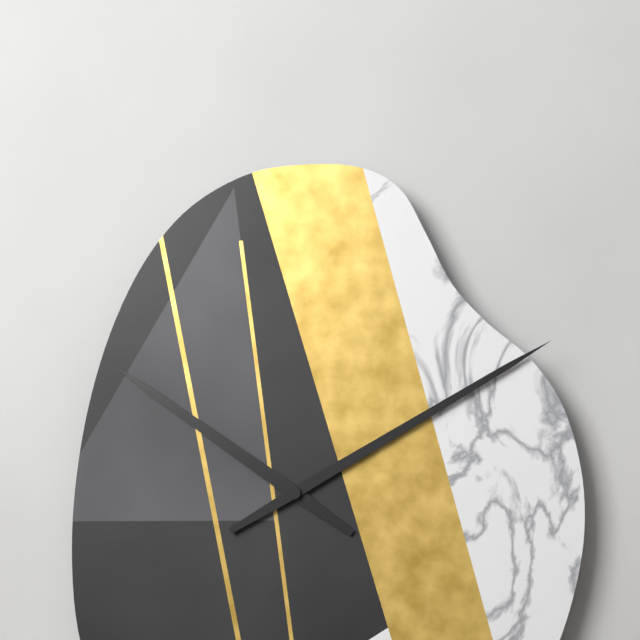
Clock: 10:10
